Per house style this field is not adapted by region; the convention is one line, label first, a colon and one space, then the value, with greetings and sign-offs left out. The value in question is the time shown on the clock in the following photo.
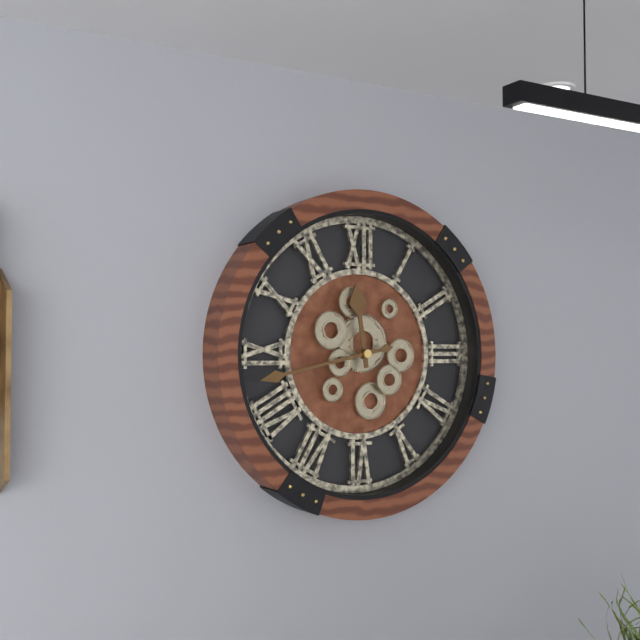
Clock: 11:43
